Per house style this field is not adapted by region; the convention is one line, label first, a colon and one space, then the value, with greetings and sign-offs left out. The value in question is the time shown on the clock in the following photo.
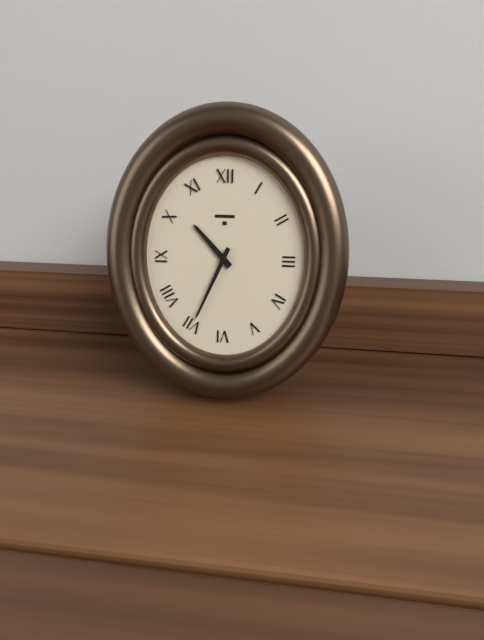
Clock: 10:34
